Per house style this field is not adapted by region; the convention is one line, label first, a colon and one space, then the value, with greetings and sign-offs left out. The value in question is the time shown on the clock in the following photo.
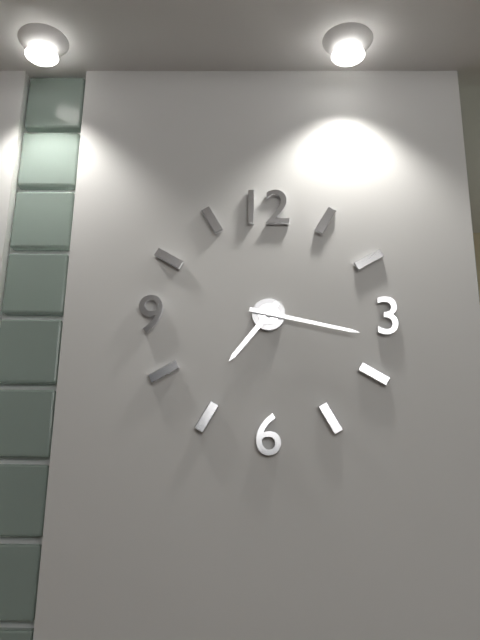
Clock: 7:17
